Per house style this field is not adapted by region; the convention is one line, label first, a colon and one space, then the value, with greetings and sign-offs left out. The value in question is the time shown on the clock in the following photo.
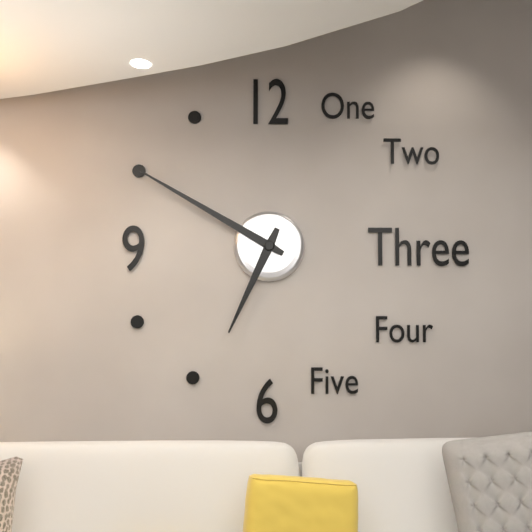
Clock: 6:50
